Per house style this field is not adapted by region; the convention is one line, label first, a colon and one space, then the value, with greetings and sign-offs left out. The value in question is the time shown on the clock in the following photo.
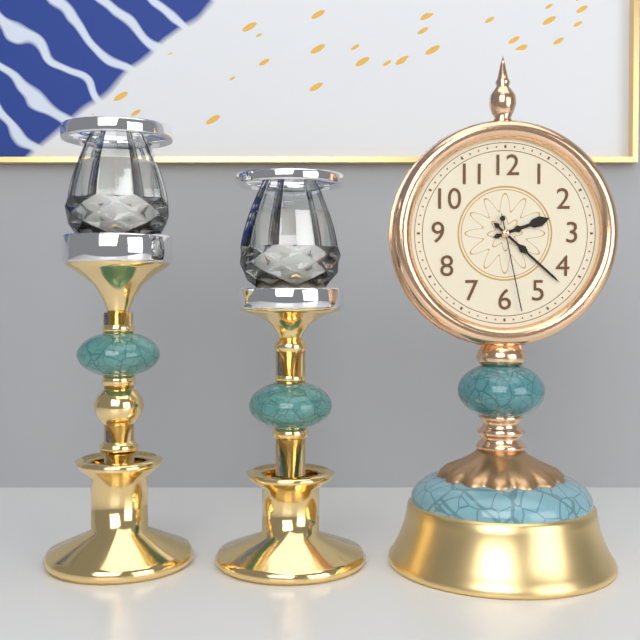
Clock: 2:22:28
